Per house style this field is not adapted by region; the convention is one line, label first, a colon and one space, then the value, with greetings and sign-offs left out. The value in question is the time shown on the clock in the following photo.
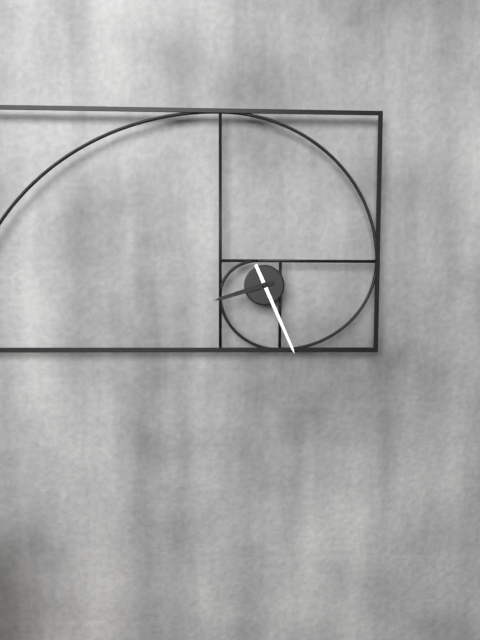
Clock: 8:26
